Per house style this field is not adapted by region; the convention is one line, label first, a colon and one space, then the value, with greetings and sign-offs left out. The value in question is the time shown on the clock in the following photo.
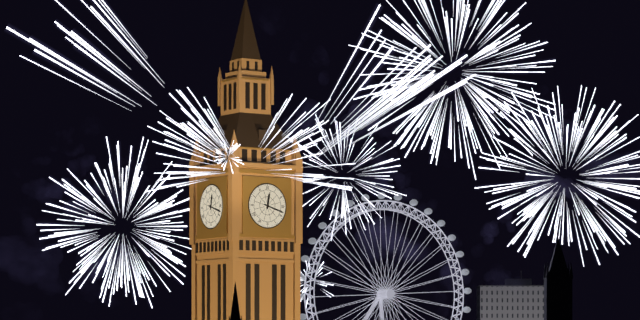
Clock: 12:18
